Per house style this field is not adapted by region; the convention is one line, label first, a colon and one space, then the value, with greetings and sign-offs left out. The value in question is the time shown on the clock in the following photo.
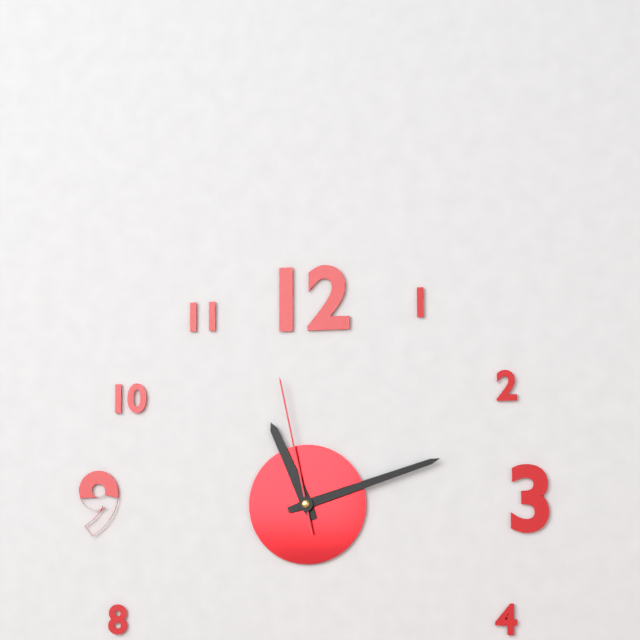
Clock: 11:12:58
